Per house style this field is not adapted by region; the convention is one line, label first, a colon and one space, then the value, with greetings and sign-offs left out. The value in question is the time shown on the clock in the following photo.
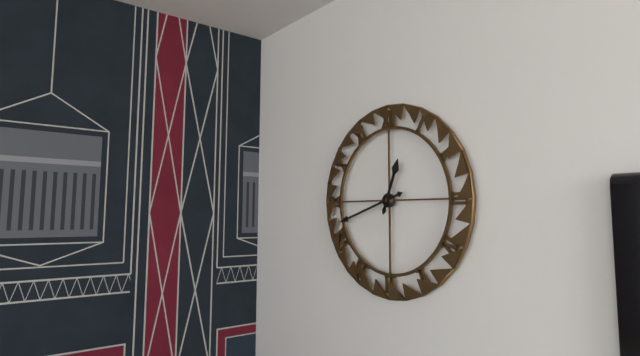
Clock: 12:42
